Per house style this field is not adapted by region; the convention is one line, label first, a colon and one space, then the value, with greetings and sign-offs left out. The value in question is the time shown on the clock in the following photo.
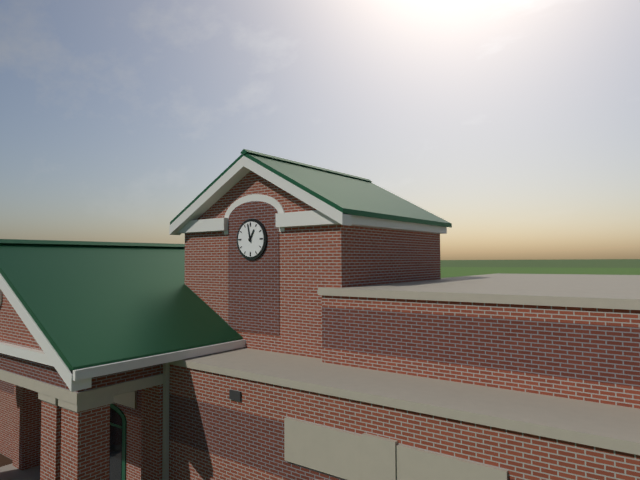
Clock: 12:58
